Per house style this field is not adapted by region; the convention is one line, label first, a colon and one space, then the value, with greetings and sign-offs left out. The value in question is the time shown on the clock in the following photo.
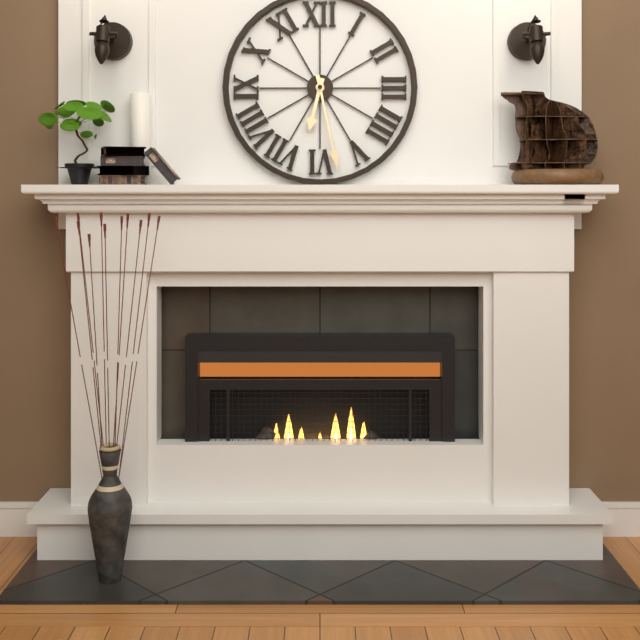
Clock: 6:28
